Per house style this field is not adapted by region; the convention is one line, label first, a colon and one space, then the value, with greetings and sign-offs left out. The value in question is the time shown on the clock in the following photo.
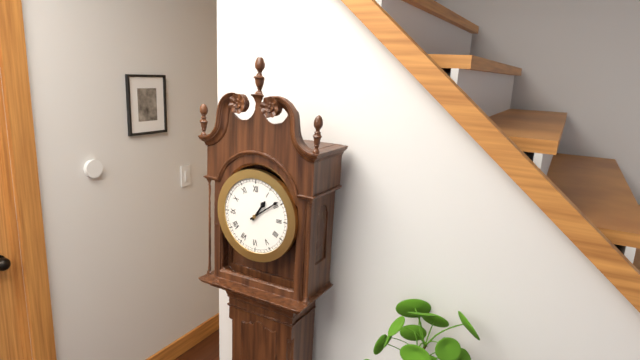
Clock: 1:09
